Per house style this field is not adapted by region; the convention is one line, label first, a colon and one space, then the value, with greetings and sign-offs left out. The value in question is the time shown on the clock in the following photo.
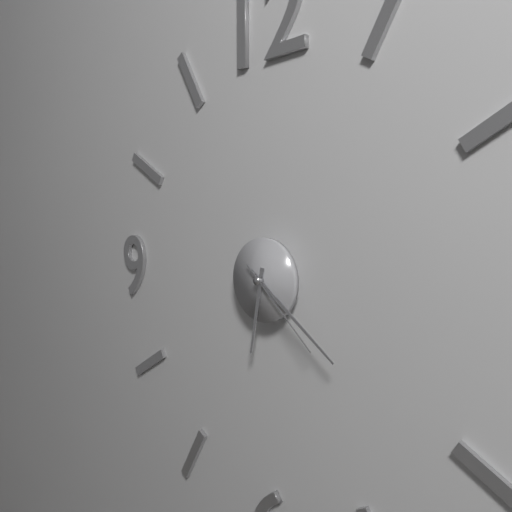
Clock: 6:21:22
